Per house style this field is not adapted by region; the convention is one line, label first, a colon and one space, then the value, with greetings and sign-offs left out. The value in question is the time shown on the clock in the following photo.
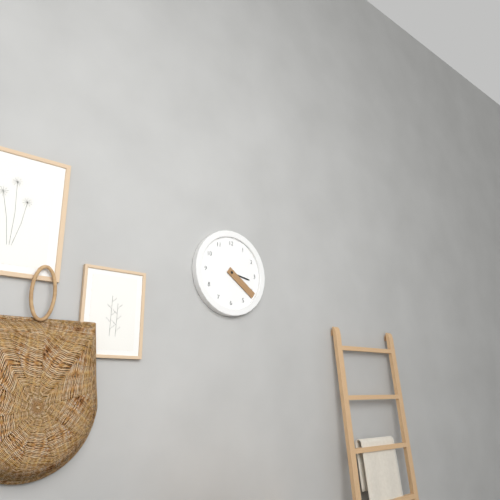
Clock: 3:21
